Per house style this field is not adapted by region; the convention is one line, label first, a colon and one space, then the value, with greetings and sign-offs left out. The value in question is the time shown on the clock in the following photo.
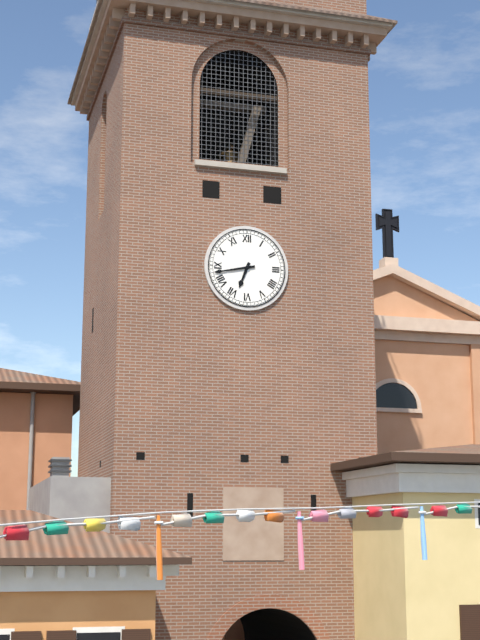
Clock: 6:43
